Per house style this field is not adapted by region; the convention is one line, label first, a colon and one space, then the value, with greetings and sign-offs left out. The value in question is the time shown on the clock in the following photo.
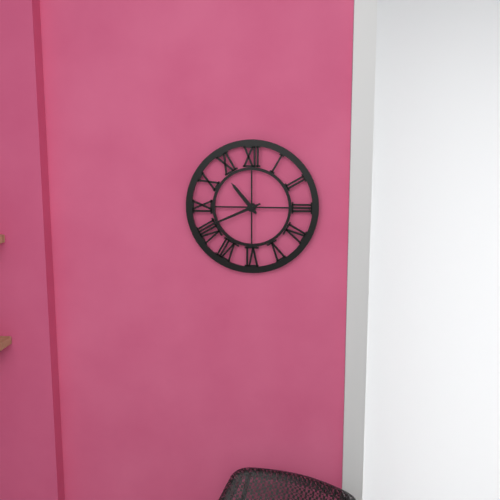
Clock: 10:41
